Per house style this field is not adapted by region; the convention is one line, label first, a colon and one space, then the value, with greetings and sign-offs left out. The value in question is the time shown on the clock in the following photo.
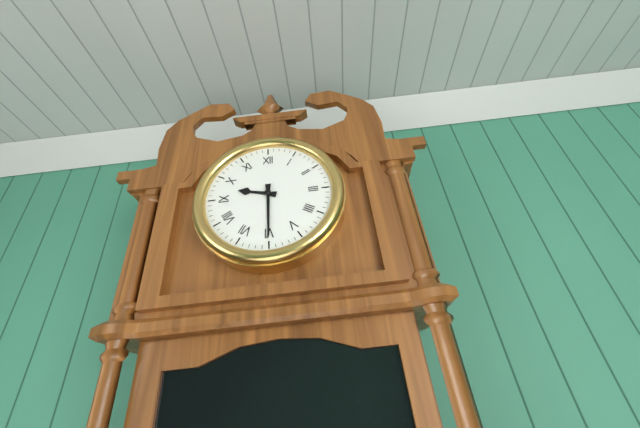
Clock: 9:30
